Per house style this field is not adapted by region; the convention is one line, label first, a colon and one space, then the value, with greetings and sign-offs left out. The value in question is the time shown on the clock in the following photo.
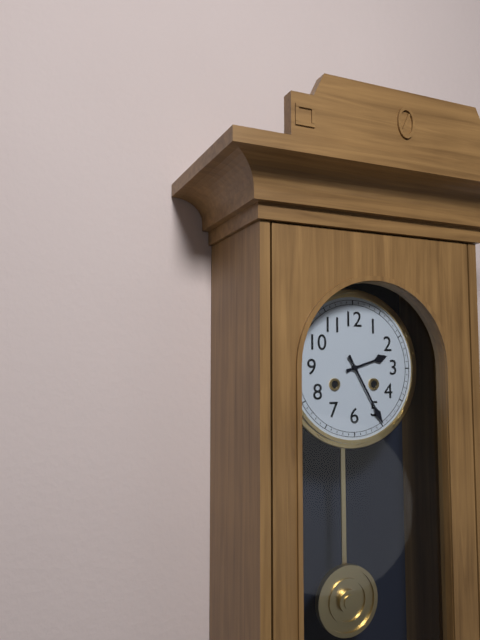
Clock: 2:25
